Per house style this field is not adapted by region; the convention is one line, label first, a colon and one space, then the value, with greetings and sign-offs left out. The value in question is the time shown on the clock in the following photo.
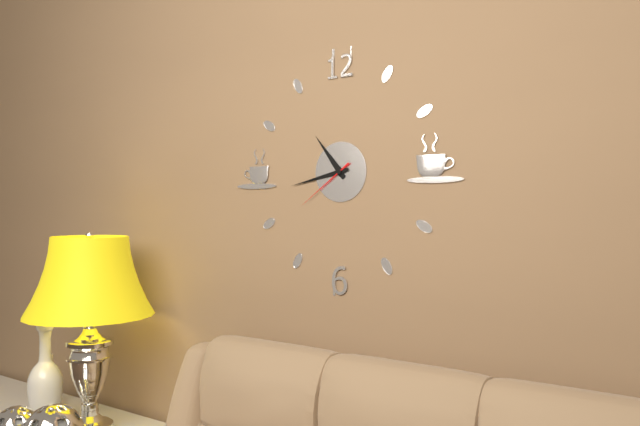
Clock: 10:43:39
